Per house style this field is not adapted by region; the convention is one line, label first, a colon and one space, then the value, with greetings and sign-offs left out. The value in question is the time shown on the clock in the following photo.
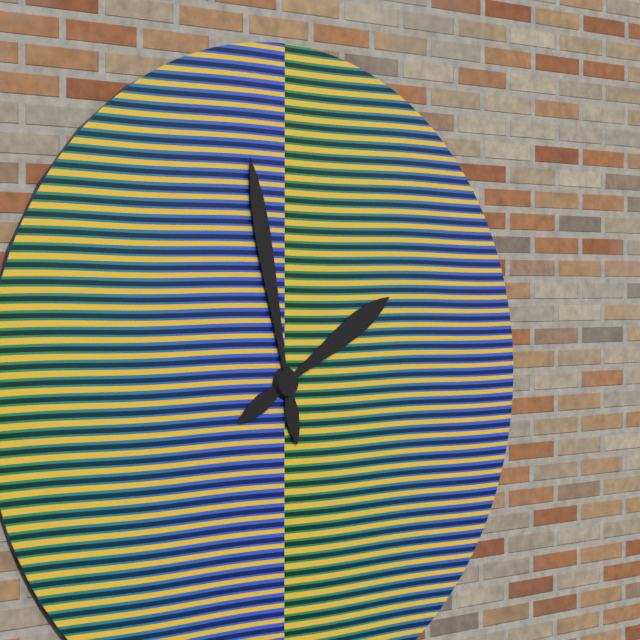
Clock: 1:58
